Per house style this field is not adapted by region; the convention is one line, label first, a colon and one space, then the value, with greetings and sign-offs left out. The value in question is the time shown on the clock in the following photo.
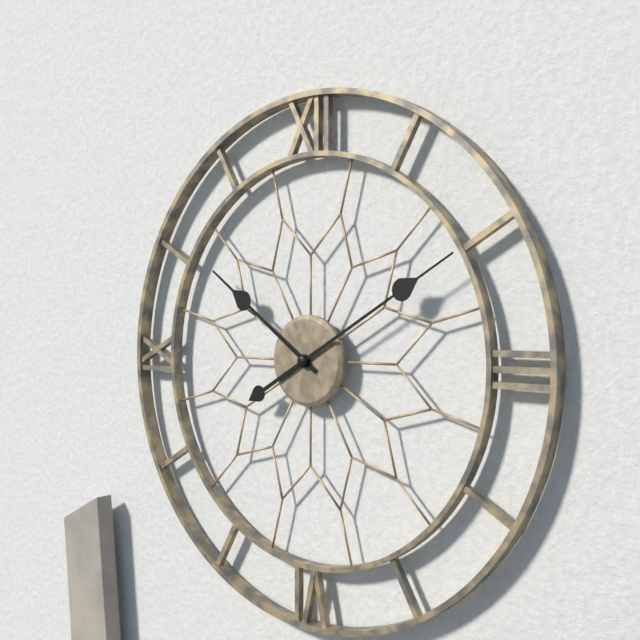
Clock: 10:10
